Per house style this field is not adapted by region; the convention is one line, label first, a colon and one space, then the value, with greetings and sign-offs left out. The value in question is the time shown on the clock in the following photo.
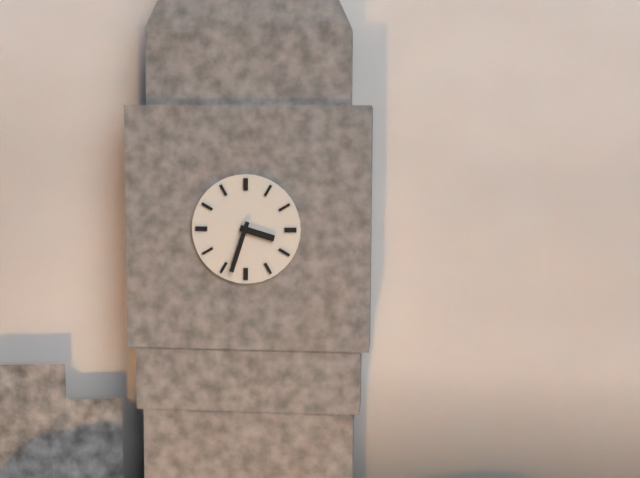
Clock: 3:33
